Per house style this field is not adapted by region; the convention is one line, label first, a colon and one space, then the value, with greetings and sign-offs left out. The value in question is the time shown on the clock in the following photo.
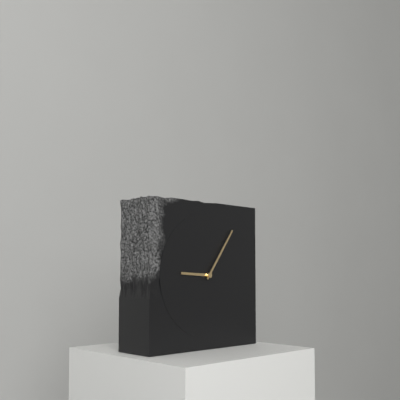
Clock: 9:06
